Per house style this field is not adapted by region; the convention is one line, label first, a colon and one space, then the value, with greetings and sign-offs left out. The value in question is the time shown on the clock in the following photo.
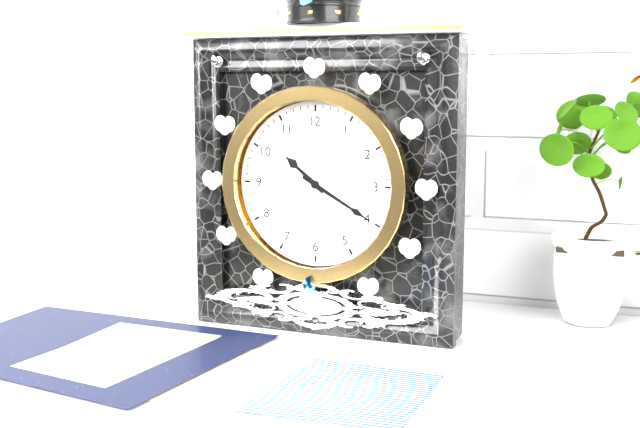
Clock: 10:20
